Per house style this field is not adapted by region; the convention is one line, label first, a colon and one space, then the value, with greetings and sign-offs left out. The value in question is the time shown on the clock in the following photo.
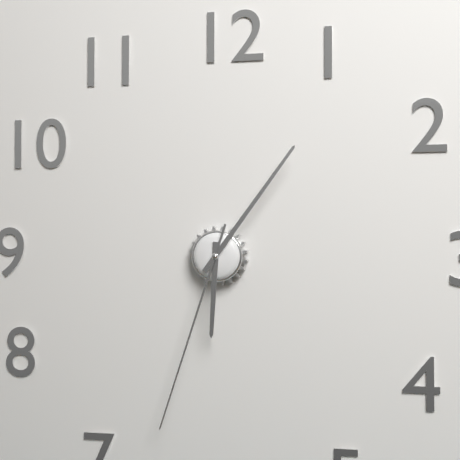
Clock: 6:06:33
